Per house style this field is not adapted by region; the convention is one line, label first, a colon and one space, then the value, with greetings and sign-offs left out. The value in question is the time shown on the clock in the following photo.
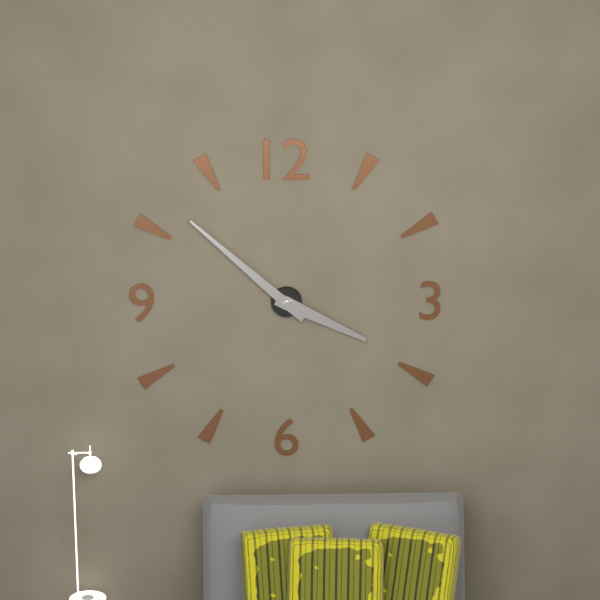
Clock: 3:52
